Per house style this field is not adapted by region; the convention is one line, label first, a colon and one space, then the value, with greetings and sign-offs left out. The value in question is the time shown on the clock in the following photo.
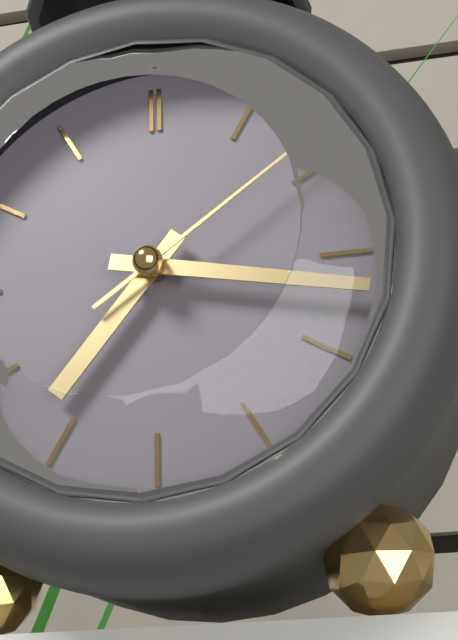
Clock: 7:17:09
